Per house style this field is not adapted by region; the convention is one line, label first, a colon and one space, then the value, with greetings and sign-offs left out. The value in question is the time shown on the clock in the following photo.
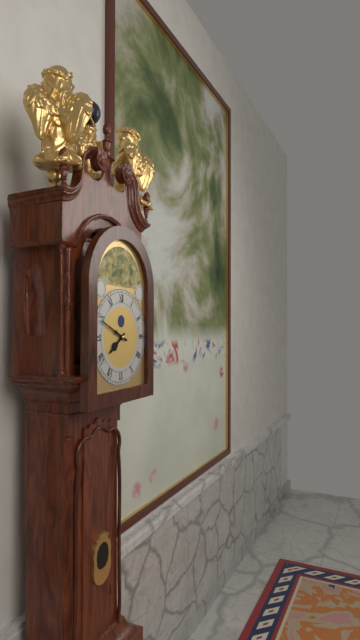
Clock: 7:49
